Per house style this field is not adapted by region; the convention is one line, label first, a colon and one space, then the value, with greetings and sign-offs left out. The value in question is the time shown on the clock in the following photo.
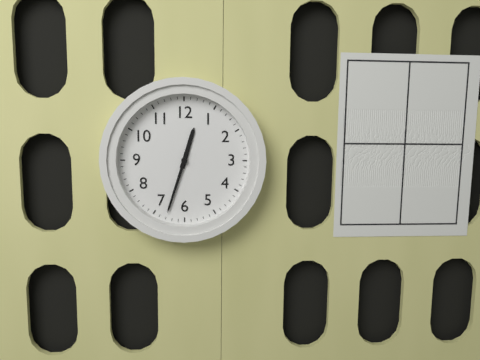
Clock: 12:33
